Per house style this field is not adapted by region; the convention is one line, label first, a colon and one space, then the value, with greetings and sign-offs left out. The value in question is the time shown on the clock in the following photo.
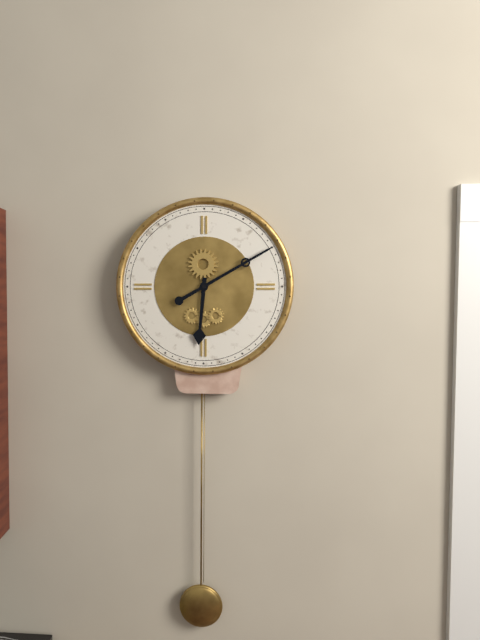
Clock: 6:10
